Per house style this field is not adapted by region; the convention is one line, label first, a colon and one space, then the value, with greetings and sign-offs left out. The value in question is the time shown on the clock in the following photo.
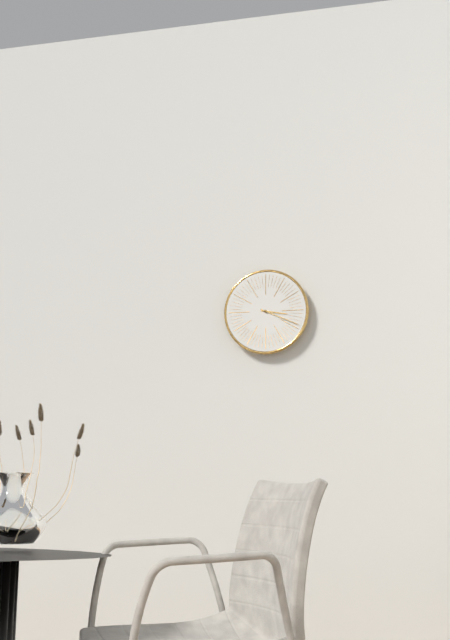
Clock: 3:19
